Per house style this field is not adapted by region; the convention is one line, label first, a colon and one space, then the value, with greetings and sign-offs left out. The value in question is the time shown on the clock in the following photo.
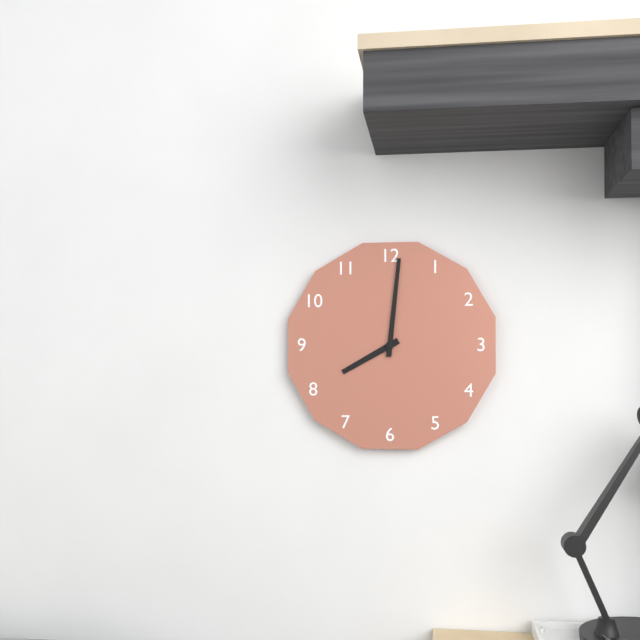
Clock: 8:01
